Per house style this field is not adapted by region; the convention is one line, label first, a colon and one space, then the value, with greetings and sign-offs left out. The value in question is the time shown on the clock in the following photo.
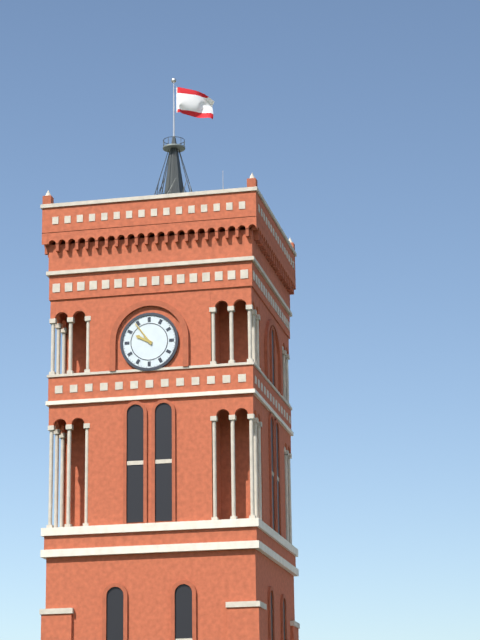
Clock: 9:54
